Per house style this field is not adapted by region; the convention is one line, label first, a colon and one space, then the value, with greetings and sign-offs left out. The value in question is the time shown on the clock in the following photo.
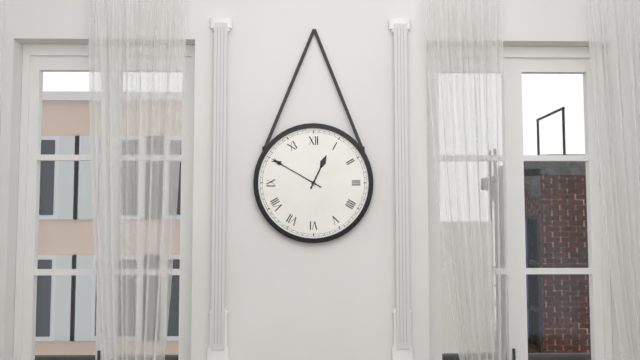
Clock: 12:50
